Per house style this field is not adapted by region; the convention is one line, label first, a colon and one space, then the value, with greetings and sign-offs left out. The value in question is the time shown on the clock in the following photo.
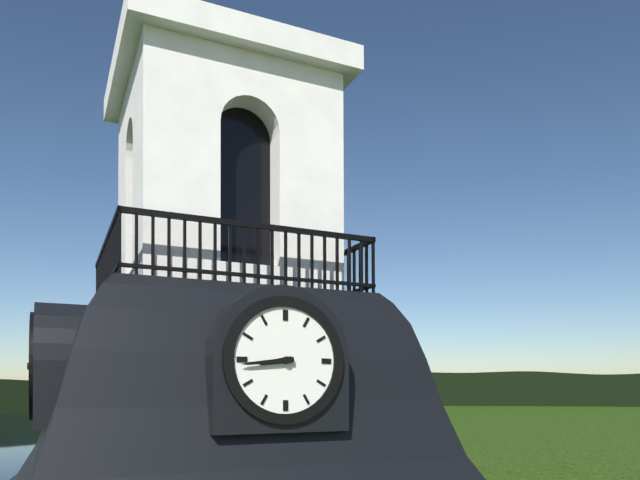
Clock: 8:44
